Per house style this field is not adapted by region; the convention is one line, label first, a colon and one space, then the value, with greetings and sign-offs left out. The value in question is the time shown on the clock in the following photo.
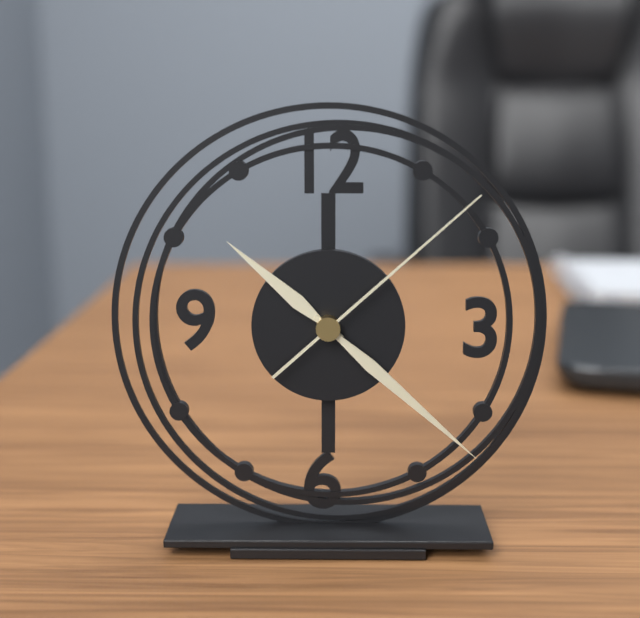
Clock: 10:22:08
